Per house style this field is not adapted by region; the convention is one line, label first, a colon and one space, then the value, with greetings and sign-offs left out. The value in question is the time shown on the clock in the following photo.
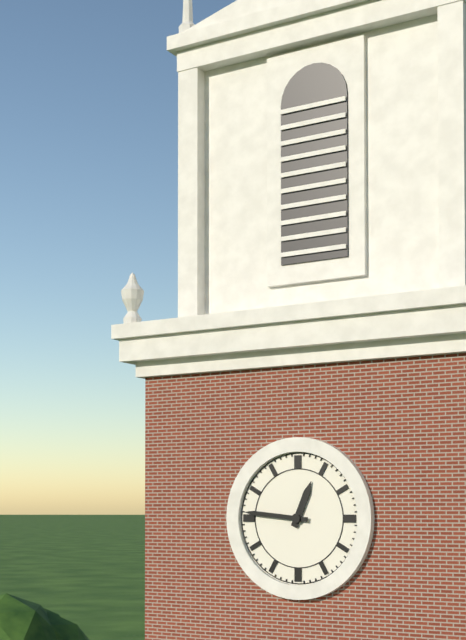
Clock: 12:46
